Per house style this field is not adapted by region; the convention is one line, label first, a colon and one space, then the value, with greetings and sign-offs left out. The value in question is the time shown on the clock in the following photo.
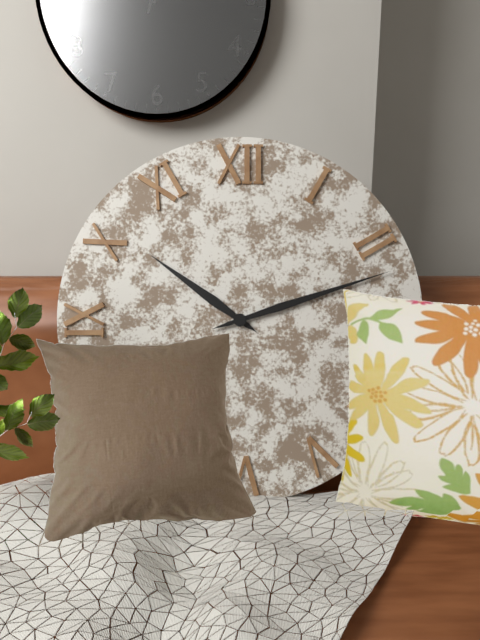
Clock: 10:12
